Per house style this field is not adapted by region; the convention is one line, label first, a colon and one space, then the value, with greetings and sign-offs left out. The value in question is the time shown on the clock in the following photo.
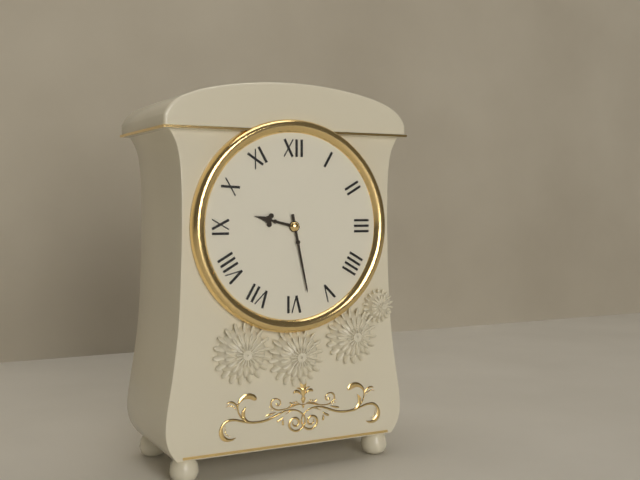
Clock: 9:28
